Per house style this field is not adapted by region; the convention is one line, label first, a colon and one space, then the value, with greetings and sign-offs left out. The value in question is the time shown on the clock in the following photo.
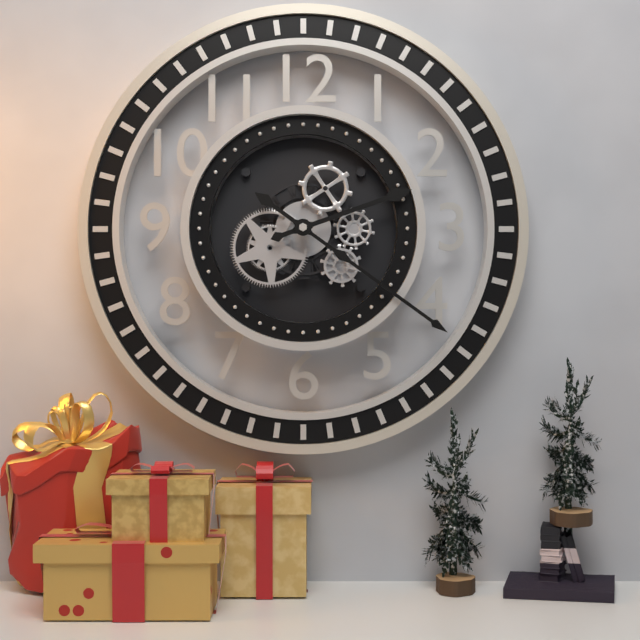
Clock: 2:21
